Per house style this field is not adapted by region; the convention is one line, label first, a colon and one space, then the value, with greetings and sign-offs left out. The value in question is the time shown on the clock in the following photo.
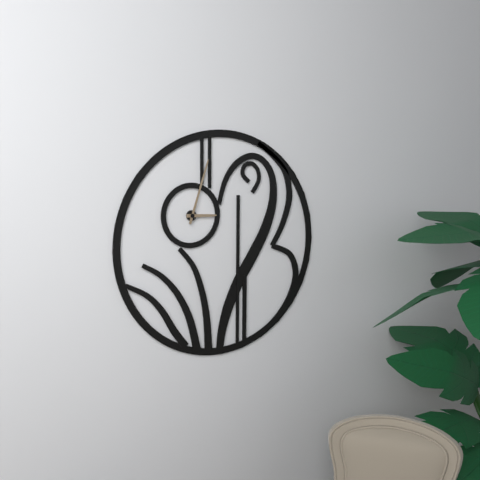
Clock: 3:03
